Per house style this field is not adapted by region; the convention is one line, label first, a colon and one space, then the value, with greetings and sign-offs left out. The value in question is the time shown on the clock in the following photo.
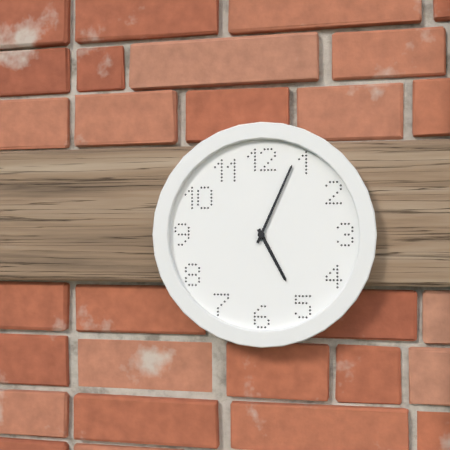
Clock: 5:04
